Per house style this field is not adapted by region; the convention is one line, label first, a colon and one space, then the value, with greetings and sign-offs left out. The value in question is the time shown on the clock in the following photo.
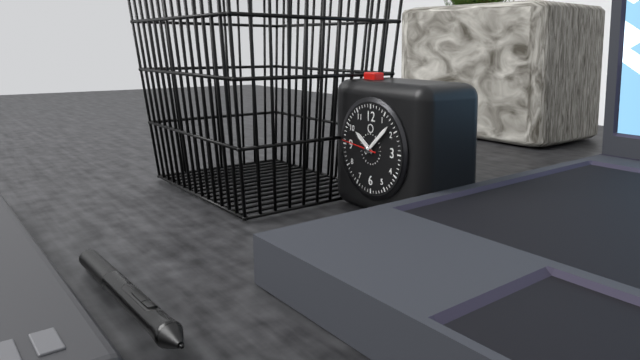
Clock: 10:08
